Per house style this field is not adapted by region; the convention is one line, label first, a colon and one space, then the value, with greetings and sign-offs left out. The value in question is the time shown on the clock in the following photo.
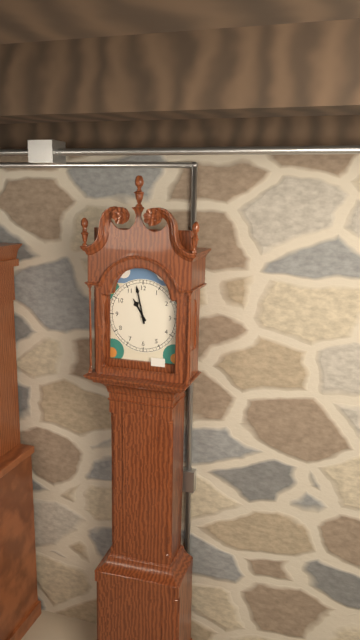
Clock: 10:58
